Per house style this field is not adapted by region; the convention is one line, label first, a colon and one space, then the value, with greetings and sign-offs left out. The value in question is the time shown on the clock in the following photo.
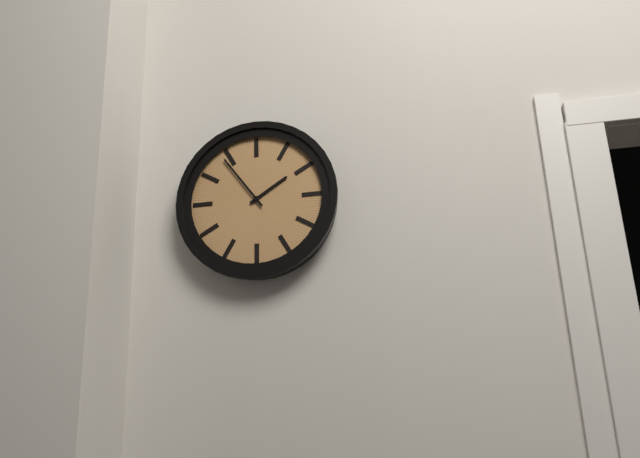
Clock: 1:54
